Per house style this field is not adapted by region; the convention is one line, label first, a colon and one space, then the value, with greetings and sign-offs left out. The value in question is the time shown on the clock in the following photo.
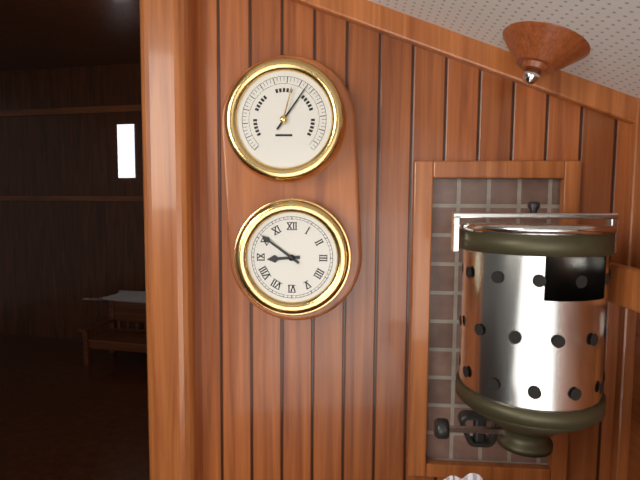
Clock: 8:51
